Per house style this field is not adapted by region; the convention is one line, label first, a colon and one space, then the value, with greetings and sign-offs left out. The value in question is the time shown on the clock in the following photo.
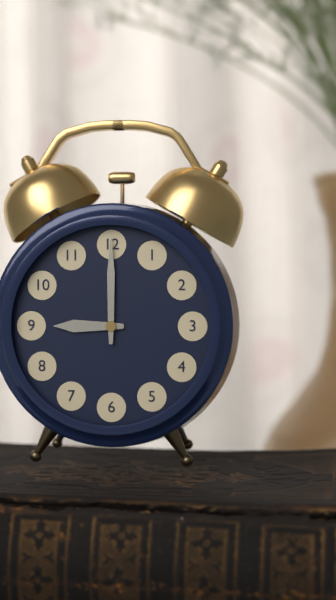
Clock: 9:00
